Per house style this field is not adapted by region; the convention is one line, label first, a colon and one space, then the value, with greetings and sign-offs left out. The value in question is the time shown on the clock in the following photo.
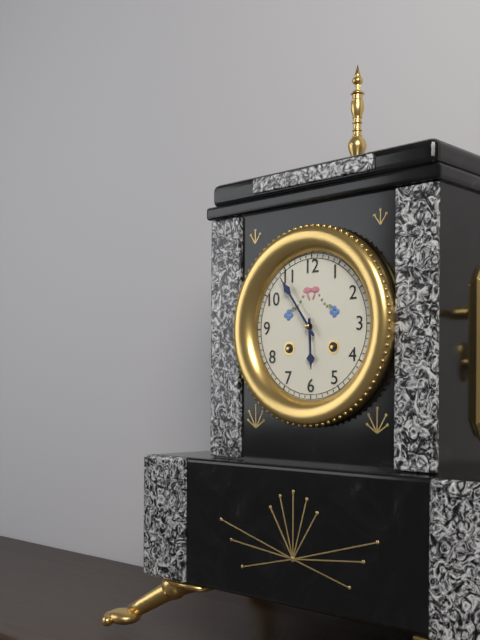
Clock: 5:54
